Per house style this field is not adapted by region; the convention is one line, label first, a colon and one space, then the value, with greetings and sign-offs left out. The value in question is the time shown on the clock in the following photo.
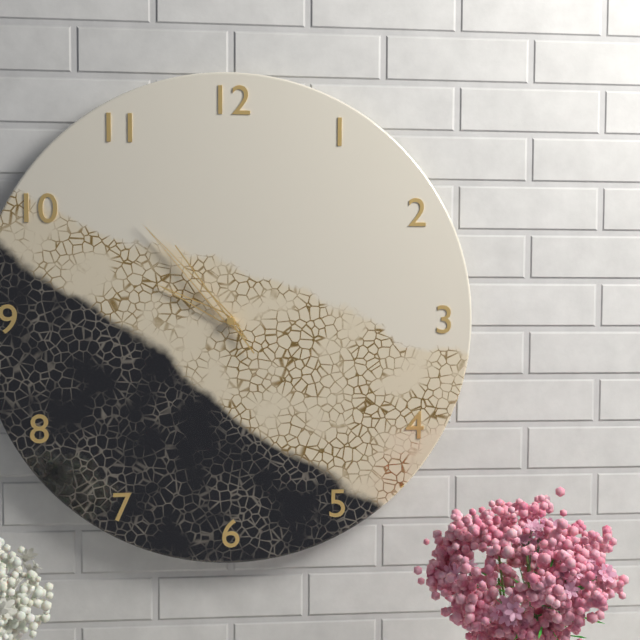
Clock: 9:53:54
